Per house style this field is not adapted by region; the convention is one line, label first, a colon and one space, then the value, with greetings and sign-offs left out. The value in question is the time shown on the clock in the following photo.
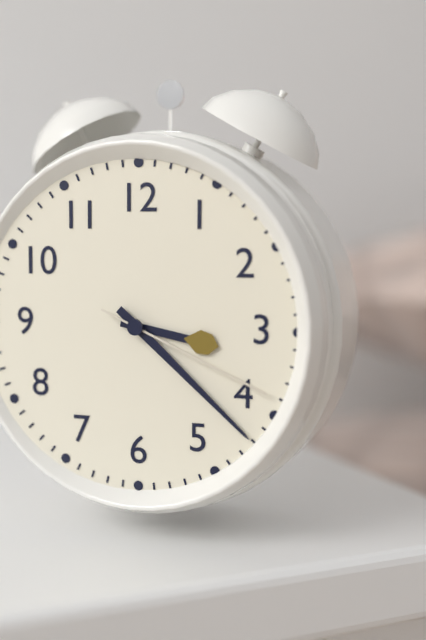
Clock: 3:22:19
